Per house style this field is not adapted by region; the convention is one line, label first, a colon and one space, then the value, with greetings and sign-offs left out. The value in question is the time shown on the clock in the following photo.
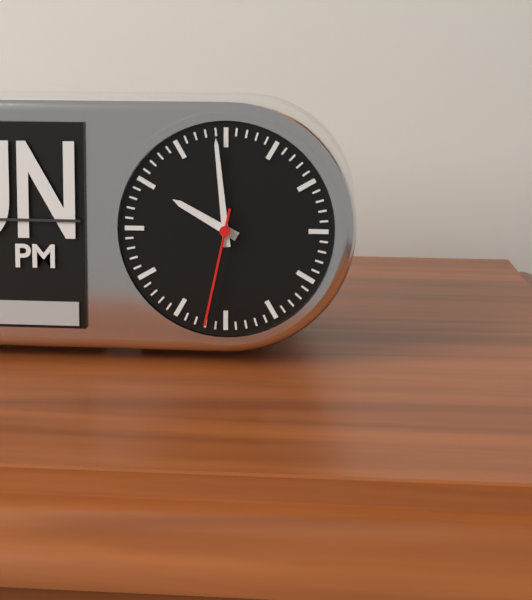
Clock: 9:59:32
